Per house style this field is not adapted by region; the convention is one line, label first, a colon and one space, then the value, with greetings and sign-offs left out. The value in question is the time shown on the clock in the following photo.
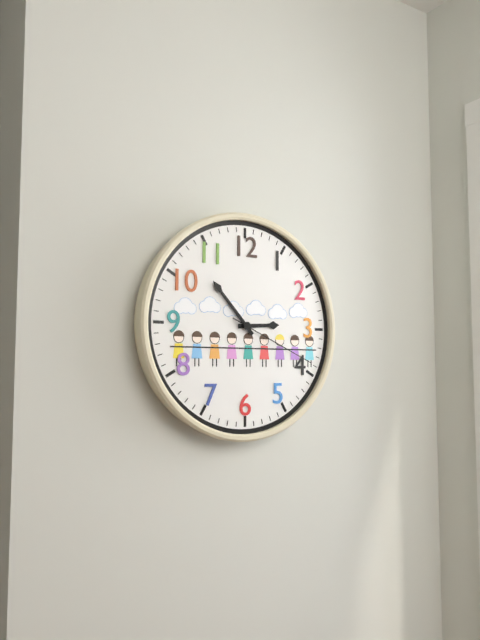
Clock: 2:53:19
